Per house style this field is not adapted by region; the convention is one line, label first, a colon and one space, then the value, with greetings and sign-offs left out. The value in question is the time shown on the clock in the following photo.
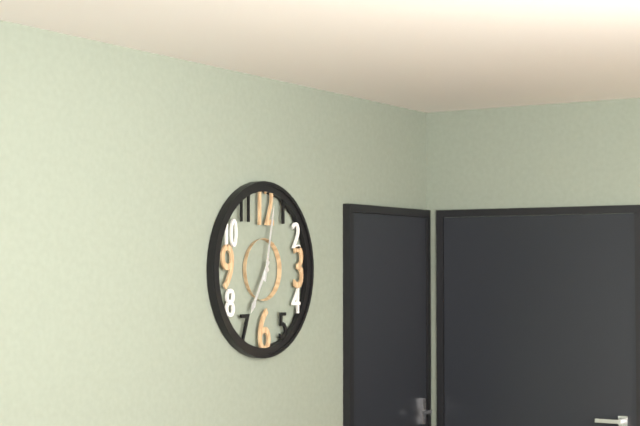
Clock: 7:02
